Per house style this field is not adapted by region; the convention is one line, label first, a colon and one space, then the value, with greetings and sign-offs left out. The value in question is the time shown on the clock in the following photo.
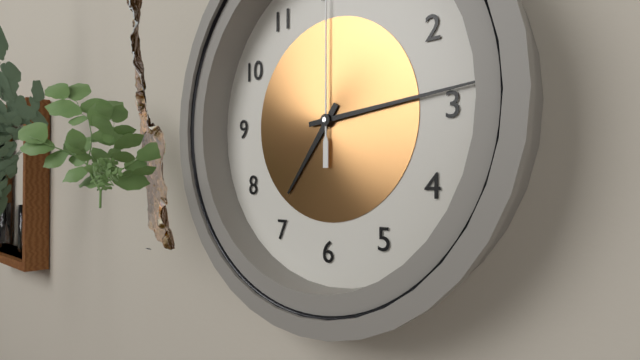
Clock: 7:14
